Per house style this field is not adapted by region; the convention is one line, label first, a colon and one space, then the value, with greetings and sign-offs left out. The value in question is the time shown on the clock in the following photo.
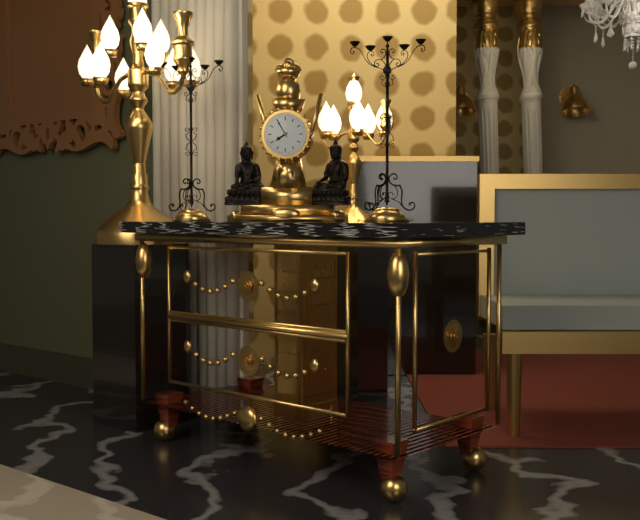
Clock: 7:55
